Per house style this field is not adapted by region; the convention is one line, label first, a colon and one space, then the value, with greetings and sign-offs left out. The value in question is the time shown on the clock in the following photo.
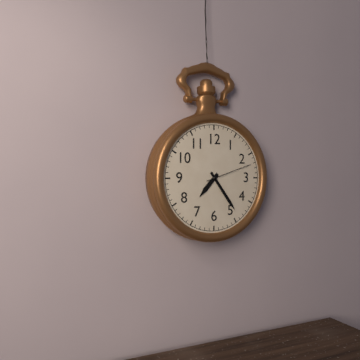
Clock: 7:24
